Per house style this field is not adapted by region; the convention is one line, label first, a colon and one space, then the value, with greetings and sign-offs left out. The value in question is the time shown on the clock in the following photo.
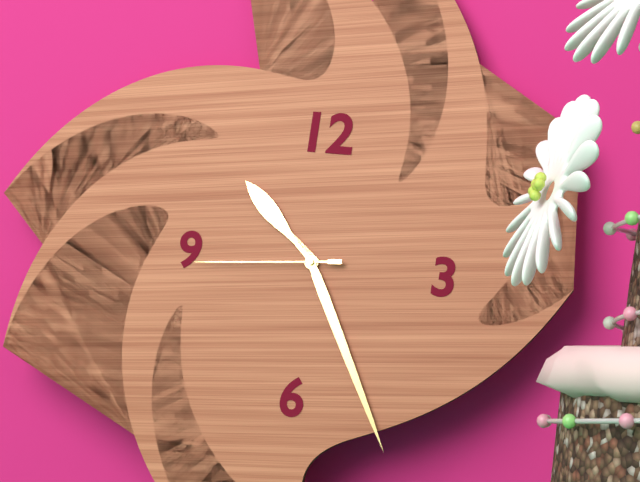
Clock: 10:25:44
